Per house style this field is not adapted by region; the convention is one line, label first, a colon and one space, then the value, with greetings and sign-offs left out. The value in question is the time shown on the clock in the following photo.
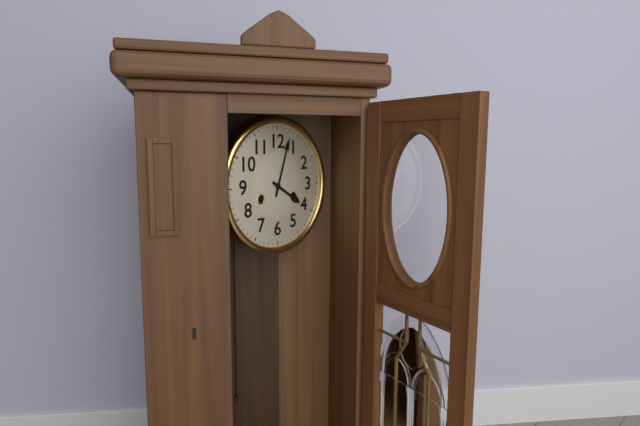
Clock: 4:03
